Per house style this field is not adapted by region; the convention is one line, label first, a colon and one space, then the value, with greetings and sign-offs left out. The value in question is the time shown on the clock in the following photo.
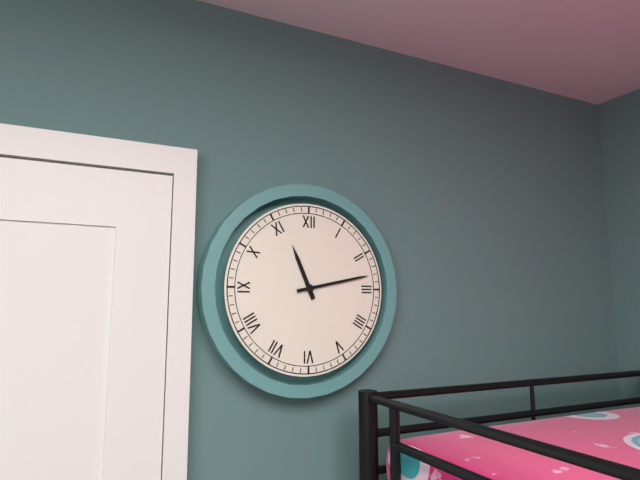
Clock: 11:13
